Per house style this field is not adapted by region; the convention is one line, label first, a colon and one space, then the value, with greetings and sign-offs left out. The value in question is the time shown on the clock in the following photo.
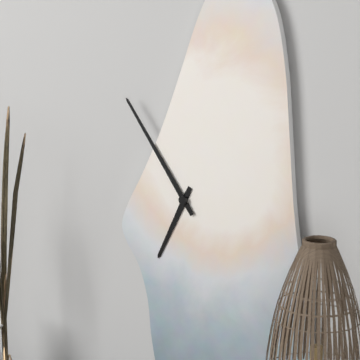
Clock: 6:54
